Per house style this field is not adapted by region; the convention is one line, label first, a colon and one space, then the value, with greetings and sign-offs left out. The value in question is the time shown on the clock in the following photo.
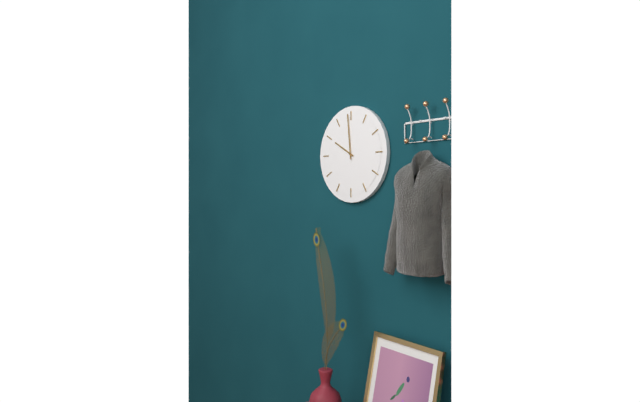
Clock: 9:59
